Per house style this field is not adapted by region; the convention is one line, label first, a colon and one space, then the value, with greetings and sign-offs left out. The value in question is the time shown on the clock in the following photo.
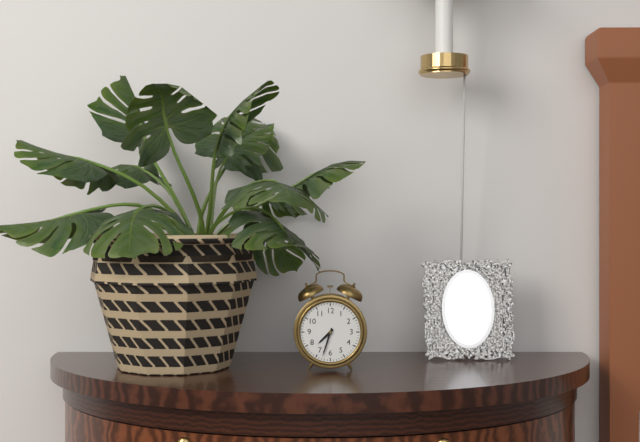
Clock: 7:33
